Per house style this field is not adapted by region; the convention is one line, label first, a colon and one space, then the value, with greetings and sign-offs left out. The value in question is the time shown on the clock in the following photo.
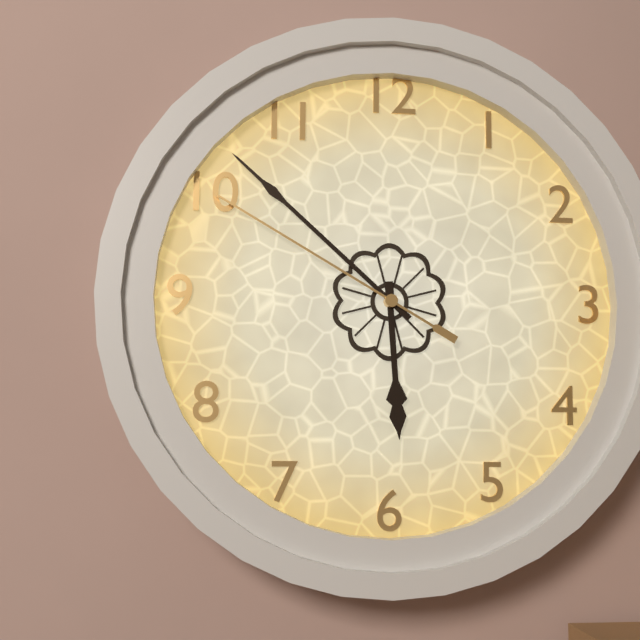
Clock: 5:52:50
